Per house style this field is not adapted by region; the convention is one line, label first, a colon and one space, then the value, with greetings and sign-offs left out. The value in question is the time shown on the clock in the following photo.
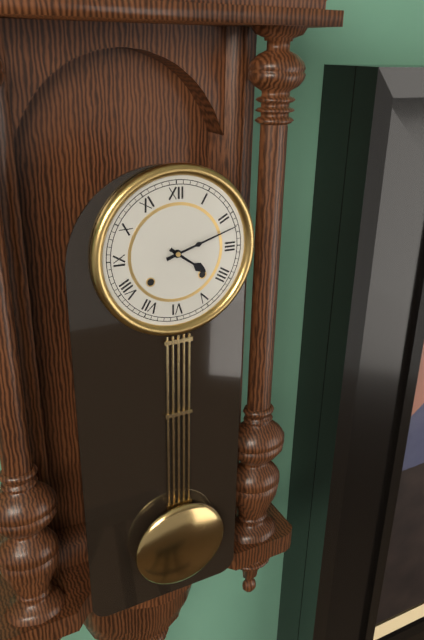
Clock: 4:12
